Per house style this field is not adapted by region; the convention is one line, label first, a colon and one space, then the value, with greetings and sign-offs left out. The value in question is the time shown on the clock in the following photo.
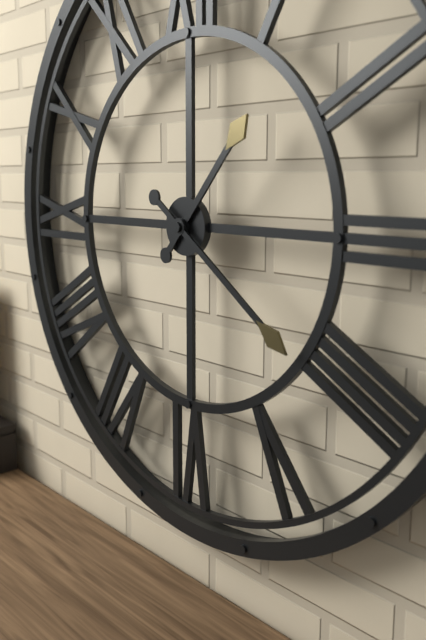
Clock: 1:21
